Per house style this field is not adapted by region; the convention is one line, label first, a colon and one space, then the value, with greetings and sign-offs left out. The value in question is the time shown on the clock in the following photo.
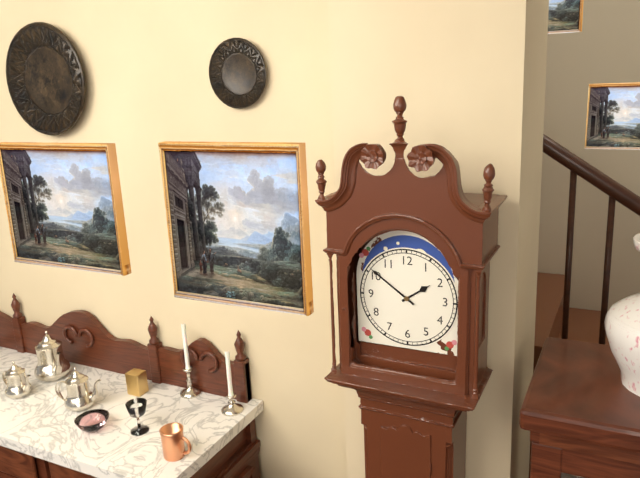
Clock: 1:51
